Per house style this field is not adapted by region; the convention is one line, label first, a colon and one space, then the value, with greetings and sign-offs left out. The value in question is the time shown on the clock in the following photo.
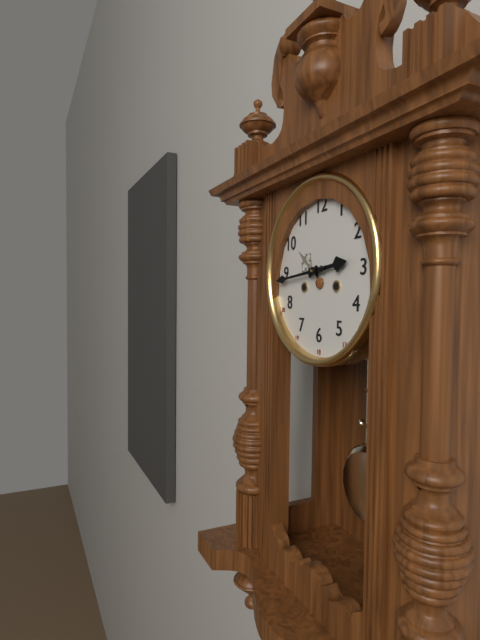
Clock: 2:44
